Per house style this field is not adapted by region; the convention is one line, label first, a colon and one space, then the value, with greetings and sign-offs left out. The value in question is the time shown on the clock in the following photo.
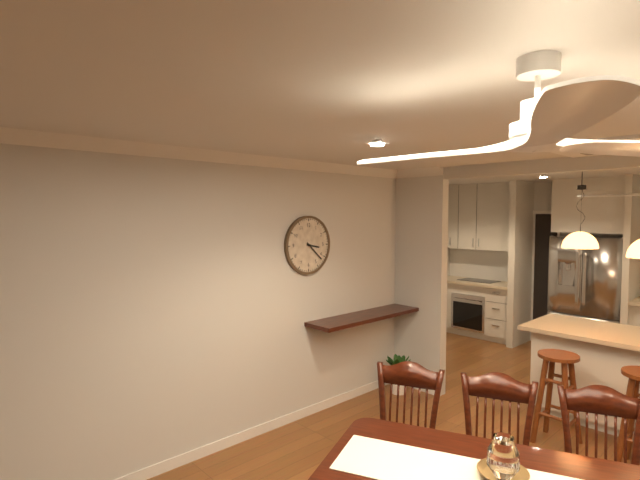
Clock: 3:22
